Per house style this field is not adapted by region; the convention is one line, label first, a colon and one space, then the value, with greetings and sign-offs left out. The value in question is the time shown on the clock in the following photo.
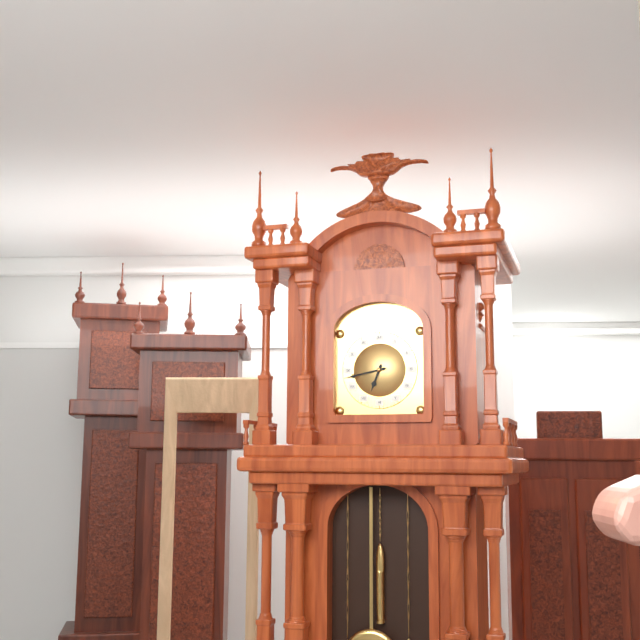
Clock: 6:43
